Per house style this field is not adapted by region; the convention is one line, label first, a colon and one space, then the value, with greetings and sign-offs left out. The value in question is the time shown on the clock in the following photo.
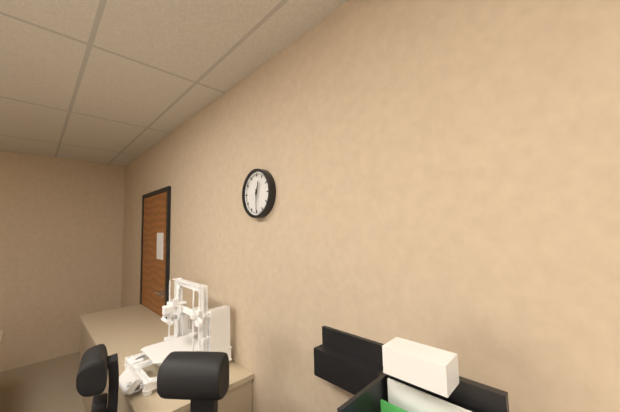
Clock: 12:30
